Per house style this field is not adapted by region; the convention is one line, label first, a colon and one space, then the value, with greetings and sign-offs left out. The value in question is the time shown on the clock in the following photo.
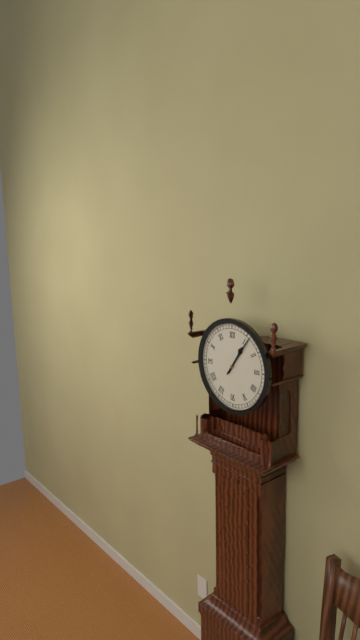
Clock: 1:06
